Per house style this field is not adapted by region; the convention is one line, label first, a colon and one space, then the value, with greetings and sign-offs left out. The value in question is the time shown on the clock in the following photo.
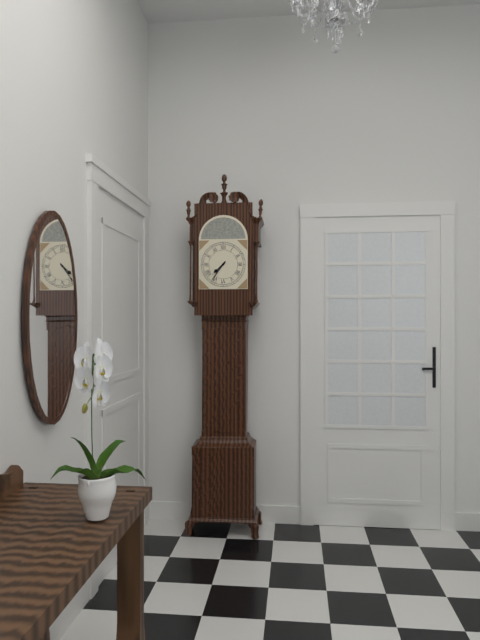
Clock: 7:36
